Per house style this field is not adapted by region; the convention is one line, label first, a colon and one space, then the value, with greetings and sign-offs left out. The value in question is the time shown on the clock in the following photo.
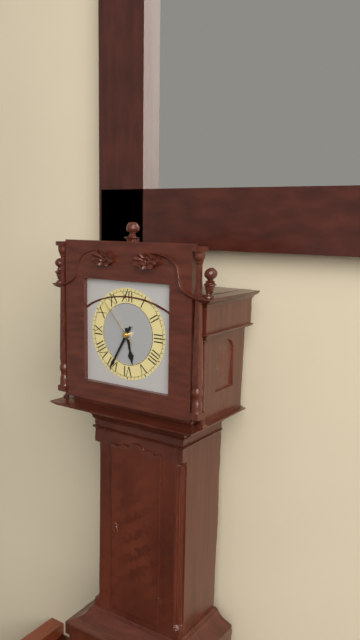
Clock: 5:35
